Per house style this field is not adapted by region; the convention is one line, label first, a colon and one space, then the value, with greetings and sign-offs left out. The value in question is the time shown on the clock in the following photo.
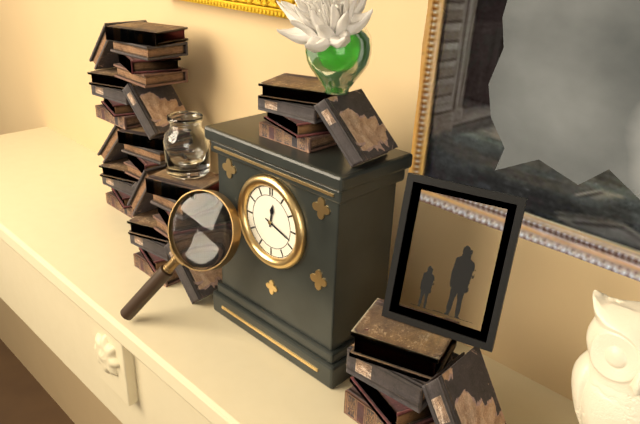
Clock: 12:18
